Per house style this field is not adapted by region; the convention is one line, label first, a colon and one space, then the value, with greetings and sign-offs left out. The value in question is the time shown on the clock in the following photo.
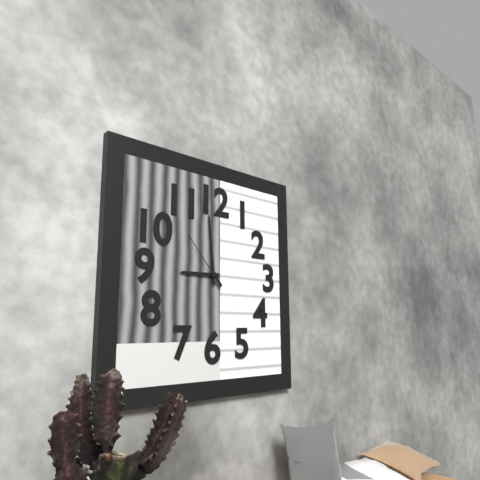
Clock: 8:59:53
